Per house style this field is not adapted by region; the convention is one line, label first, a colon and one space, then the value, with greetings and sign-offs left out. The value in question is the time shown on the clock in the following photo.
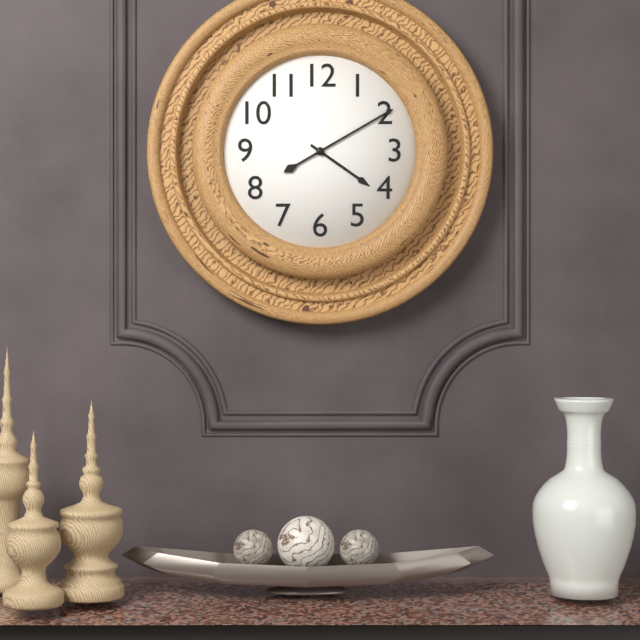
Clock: 4:10
